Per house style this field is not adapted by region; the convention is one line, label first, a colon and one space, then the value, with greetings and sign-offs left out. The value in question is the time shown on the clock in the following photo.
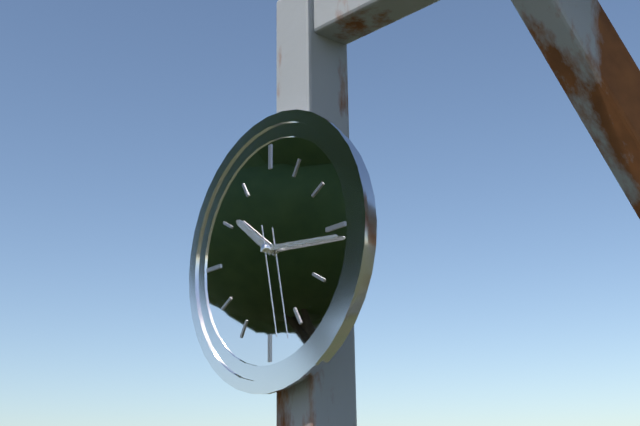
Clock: 10:16:28
